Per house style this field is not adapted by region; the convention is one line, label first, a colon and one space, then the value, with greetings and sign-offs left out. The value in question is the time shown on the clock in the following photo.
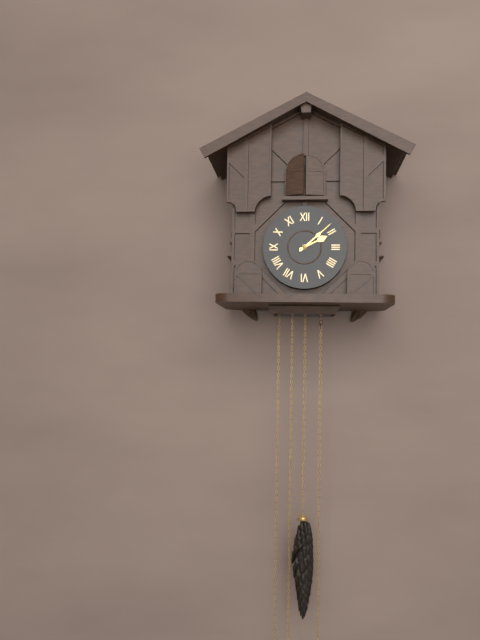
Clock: 2:08
